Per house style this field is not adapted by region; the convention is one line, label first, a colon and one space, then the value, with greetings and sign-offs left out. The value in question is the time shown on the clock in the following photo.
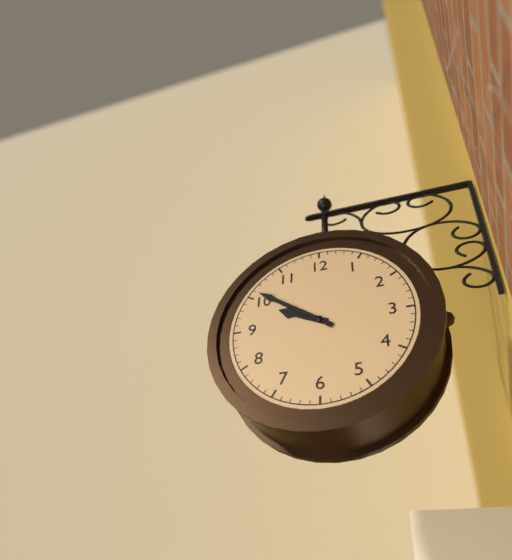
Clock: 9:51
